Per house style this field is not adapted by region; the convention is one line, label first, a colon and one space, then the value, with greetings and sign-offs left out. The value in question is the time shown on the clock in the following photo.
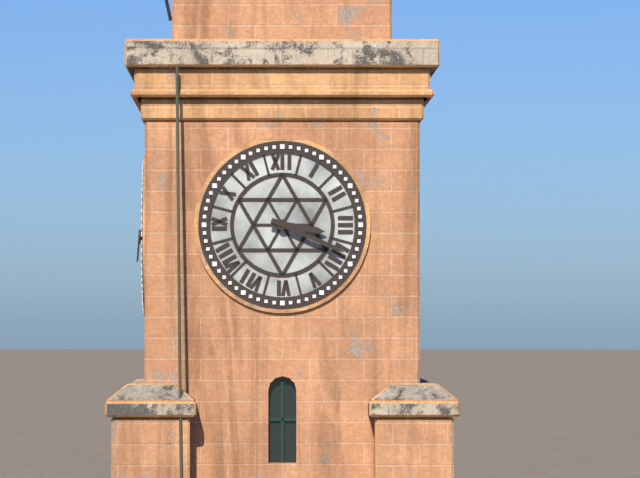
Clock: 3:19
